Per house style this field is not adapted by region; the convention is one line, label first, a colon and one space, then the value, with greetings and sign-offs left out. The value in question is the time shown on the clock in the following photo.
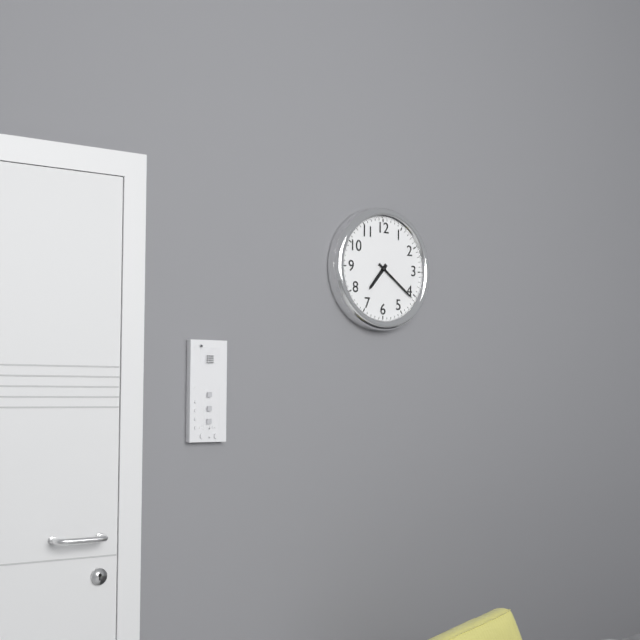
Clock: 7:21
